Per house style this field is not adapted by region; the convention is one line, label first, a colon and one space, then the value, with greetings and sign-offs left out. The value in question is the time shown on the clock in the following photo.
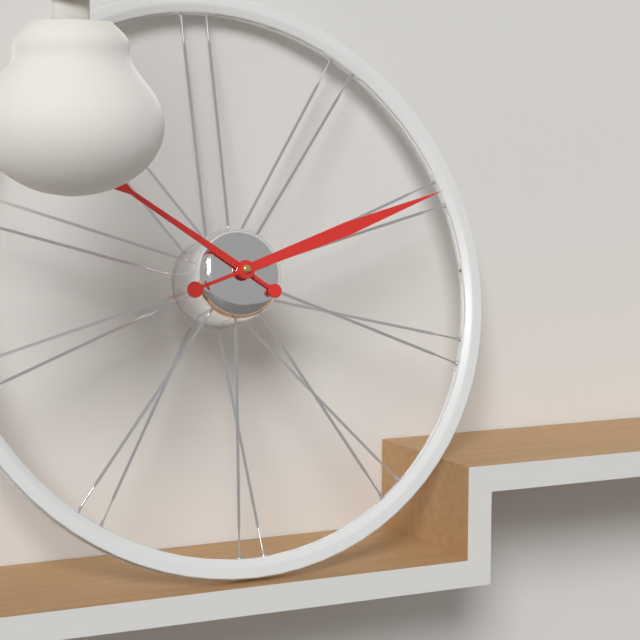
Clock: 10:12
